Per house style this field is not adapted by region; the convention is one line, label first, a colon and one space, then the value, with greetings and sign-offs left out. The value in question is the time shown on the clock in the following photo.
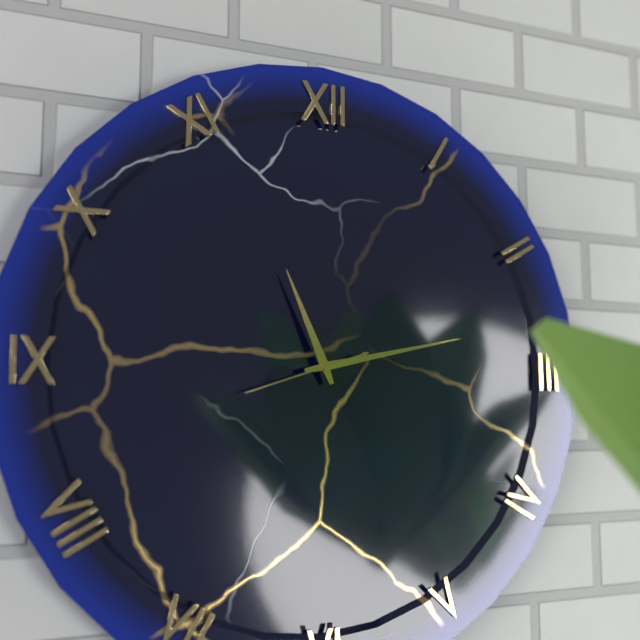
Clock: 11:13:42
